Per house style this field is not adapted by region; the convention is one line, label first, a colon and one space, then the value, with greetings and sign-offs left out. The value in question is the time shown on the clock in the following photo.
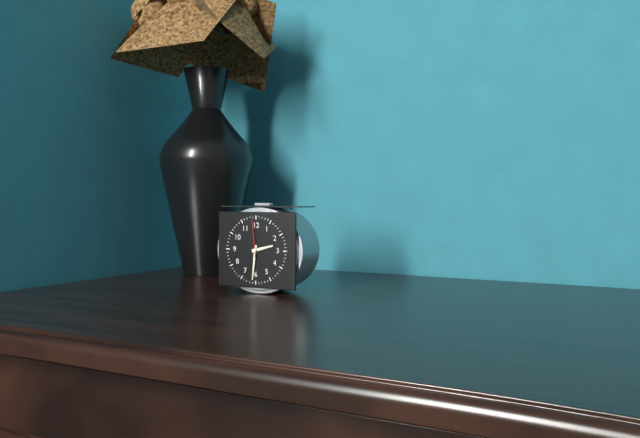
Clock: 2:31
